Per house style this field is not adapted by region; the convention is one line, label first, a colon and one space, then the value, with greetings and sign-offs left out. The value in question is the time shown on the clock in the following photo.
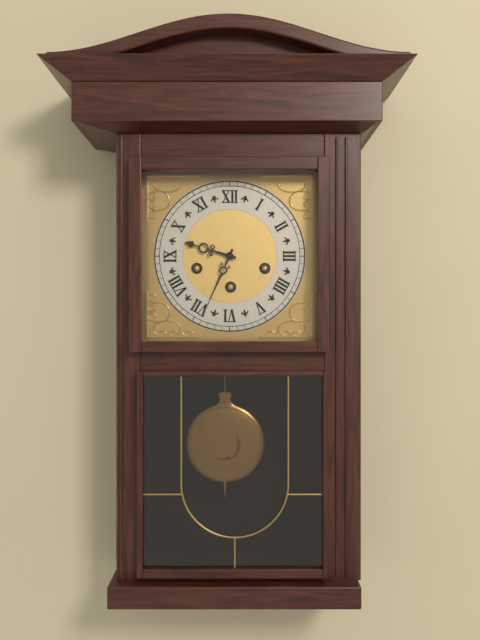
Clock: 9:34
